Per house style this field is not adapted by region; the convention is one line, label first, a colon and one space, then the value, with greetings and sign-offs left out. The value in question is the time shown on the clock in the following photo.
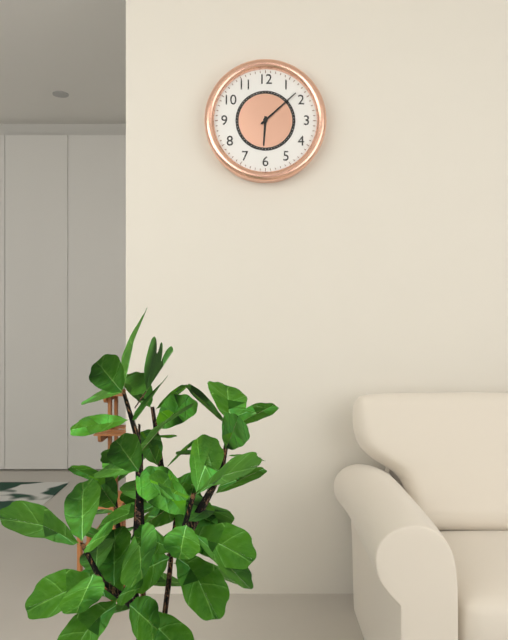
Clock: 6:08
